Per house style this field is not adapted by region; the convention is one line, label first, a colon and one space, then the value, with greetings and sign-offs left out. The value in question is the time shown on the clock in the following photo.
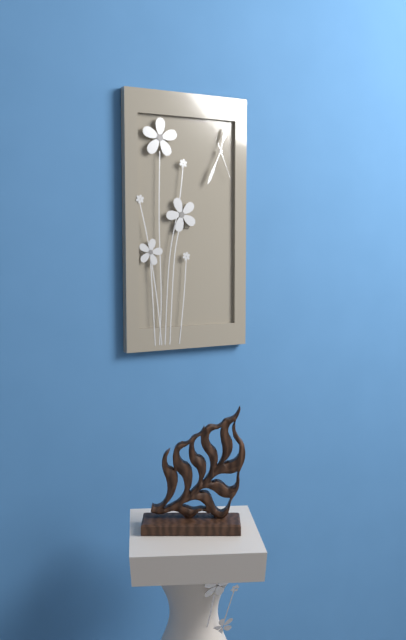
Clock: 12:34
